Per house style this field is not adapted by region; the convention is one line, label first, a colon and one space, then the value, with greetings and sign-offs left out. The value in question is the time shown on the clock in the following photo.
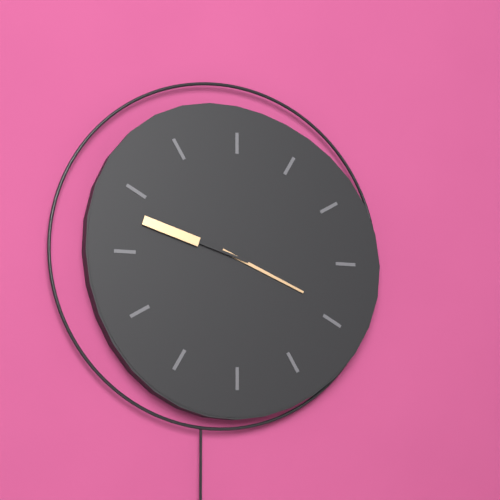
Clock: 3:48
